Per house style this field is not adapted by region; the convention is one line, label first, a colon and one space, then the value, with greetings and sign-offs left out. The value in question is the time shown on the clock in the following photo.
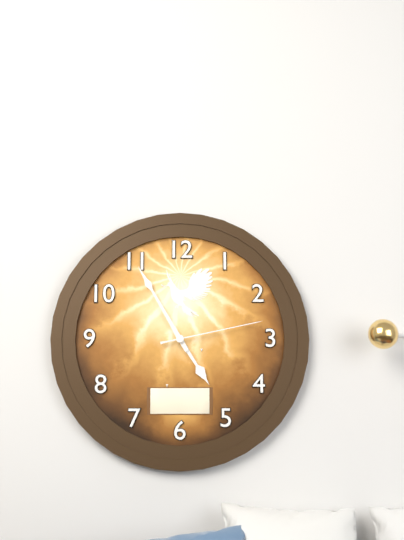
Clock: 4:55:13
